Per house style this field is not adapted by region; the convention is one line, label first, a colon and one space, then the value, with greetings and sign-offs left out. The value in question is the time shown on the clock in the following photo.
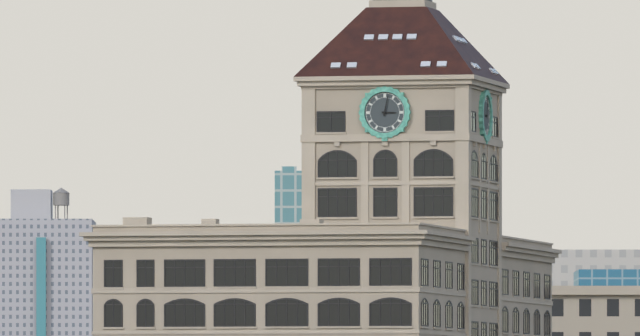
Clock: 3:02
